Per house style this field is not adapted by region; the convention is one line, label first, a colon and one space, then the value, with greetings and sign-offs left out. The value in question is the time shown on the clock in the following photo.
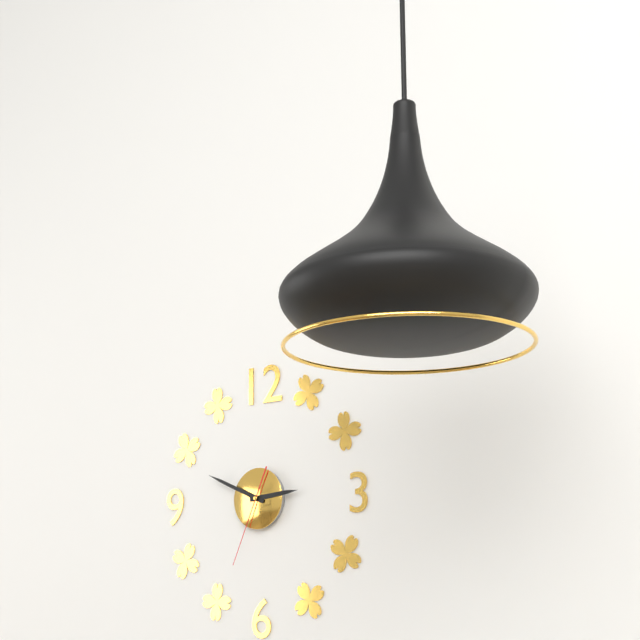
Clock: 2:49:34
